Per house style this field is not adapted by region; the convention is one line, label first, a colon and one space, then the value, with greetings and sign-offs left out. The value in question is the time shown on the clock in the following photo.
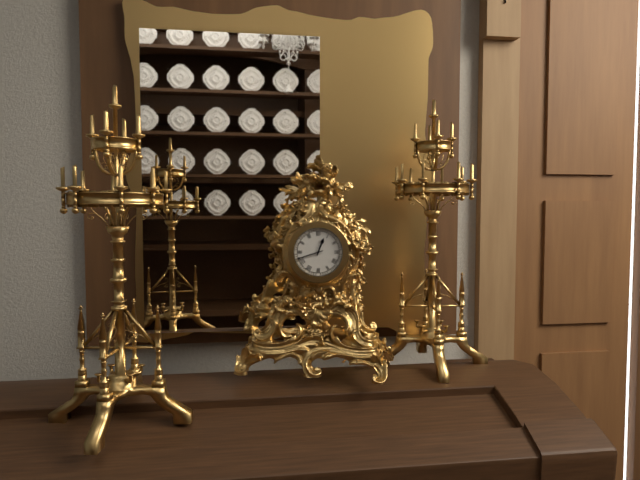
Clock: 12:42
